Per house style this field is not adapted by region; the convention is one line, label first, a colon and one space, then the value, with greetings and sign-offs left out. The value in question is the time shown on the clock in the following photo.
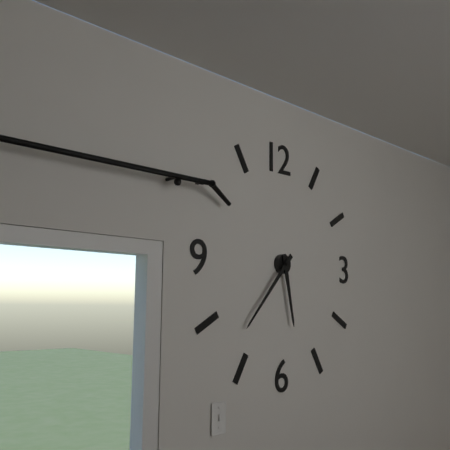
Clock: 5:37
